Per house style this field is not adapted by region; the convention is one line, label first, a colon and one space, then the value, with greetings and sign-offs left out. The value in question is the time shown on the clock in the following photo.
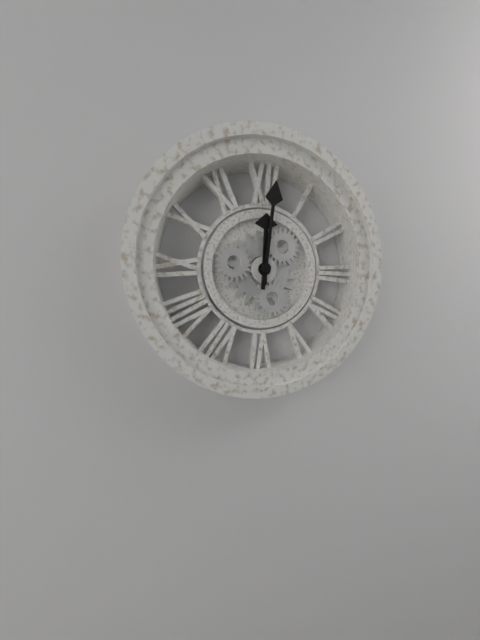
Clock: 12:01
